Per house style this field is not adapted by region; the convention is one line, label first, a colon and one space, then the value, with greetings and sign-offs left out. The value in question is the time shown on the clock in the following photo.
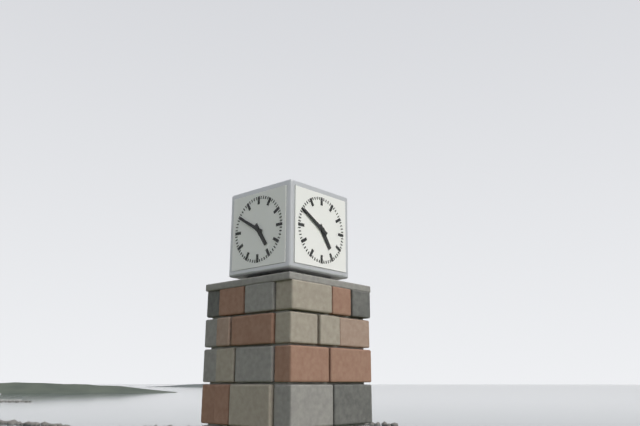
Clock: 4:50
